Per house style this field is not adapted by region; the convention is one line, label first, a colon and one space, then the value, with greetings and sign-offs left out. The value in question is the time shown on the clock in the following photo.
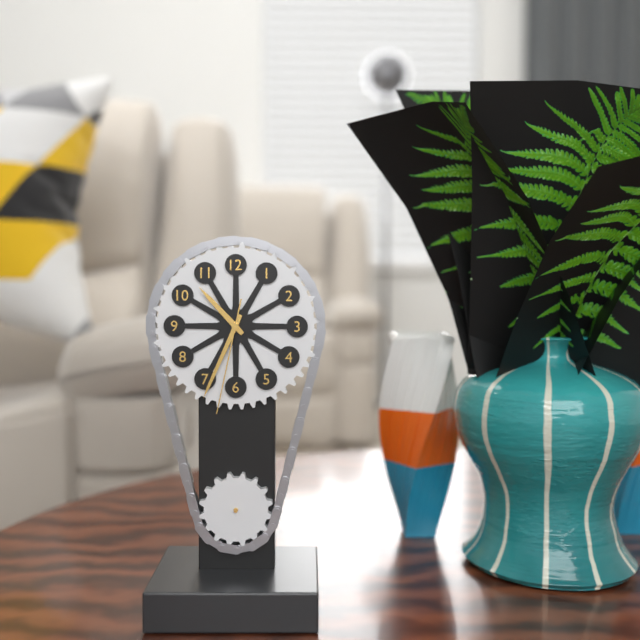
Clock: 10:34:32
